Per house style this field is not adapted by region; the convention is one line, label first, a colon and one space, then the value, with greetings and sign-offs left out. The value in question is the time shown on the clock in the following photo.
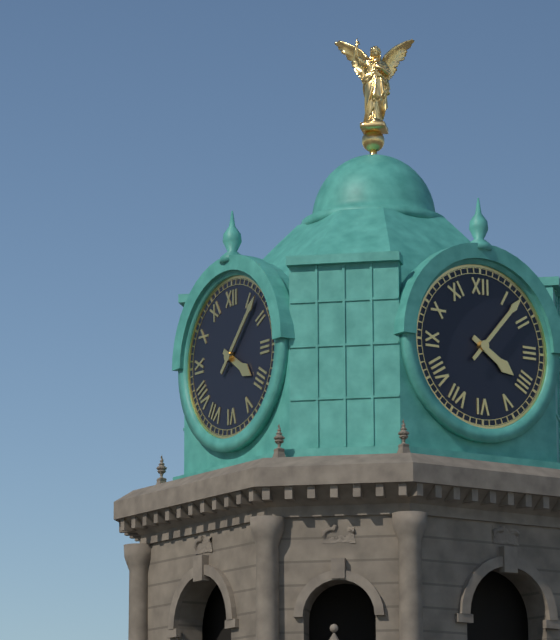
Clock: 4:07
